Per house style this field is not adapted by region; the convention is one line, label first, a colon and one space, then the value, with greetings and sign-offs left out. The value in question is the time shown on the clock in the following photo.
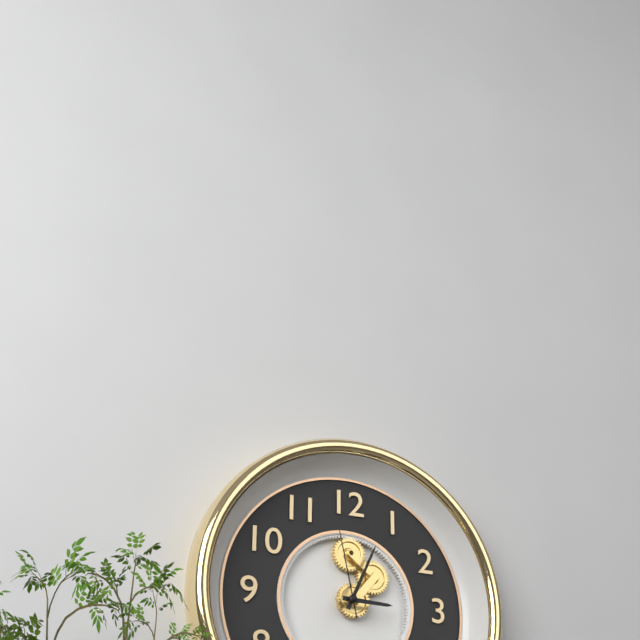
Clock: 3:04:58
